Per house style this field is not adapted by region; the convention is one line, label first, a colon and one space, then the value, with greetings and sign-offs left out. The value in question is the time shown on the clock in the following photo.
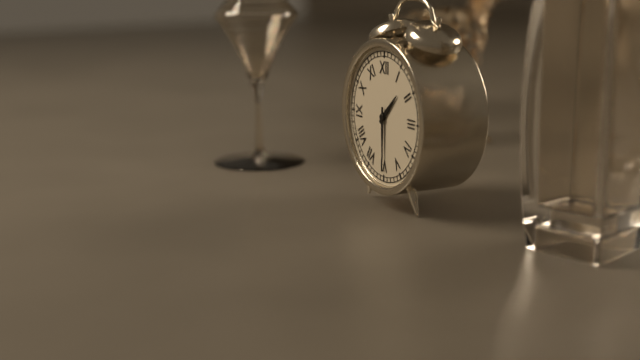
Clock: 1:30
